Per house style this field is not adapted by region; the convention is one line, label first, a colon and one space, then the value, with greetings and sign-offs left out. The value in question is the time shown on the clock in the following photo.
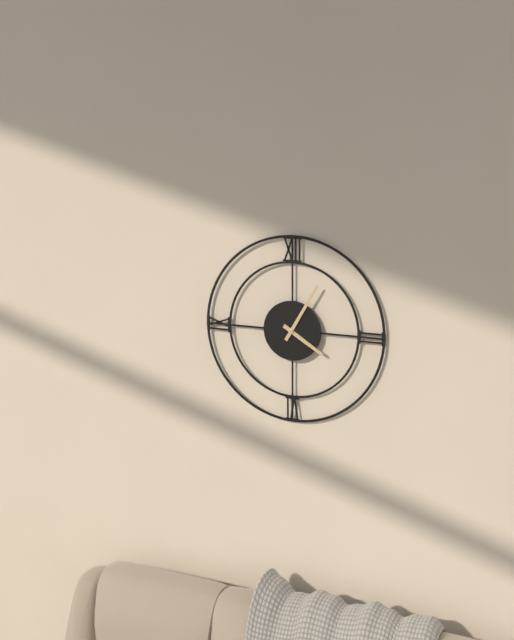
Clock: 4:05
